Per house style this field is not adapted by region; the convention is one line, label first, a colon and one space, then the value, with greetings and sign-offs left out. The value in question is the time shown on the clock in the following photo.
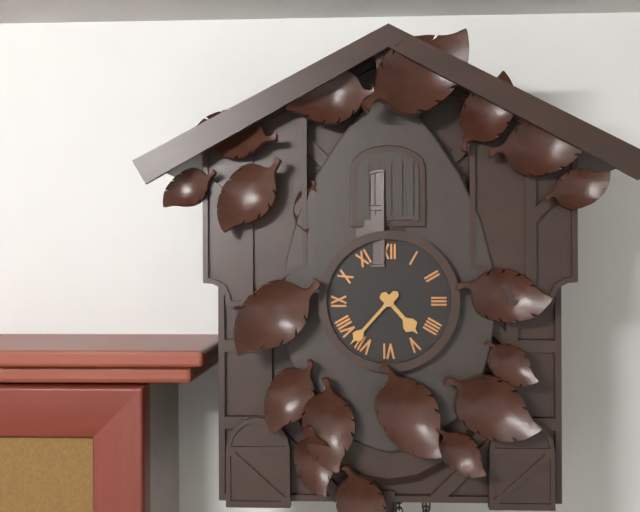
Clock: 4:37
